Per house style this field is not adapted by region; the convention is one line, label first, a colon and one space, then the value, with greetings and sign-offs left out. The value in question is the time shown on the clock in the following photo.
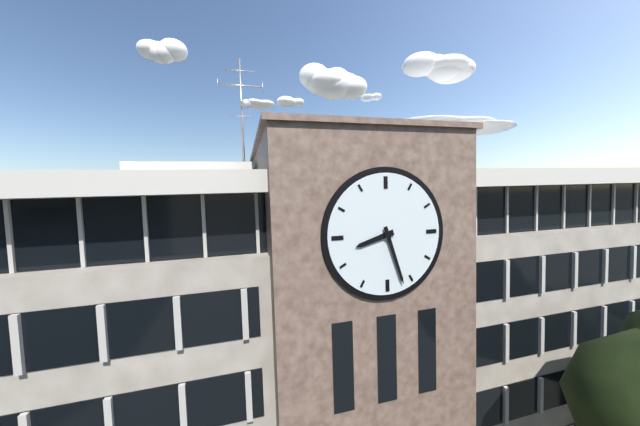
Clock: 8:27
